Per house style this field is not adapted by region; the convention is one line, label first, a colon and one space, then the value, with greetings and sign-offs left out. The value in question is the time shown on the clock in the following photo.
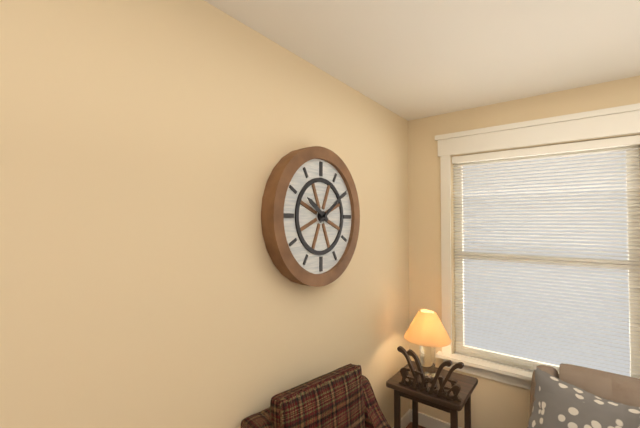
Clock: 10:09
